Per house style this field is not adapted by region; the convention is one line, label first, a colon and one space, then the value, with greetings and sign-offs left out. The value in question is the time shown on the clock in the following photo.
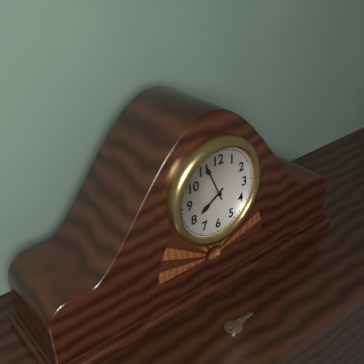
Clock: 7:56
